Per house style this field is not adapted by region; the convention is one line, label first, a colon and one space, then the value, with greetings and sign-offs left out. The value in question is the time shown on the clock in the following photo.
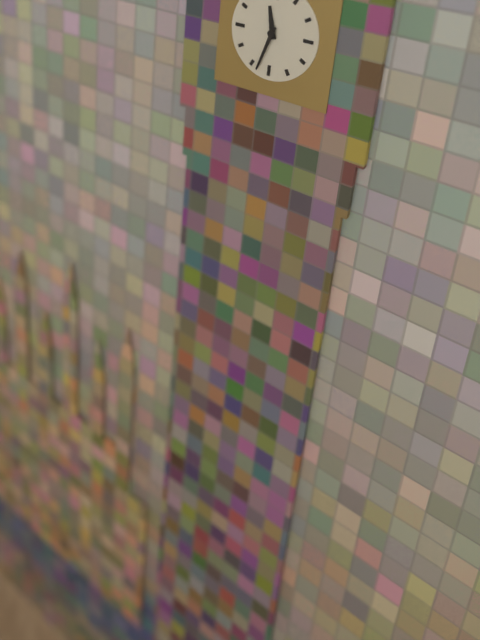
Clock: 11:33
